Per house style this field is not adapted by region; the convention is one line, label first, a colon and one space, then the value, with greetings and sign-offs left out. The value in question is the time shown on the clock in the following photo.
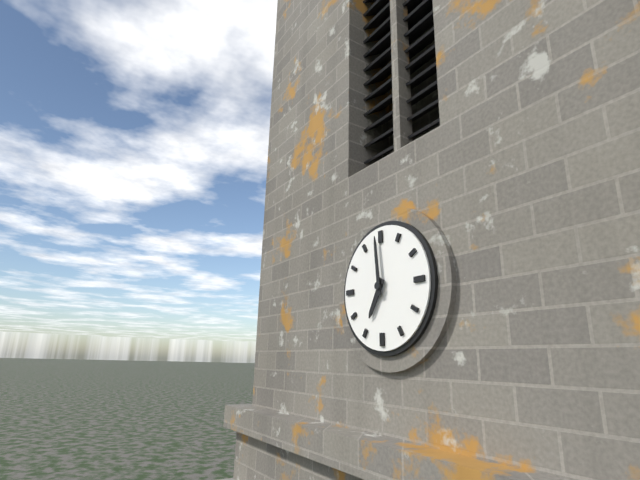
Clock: 6:59
